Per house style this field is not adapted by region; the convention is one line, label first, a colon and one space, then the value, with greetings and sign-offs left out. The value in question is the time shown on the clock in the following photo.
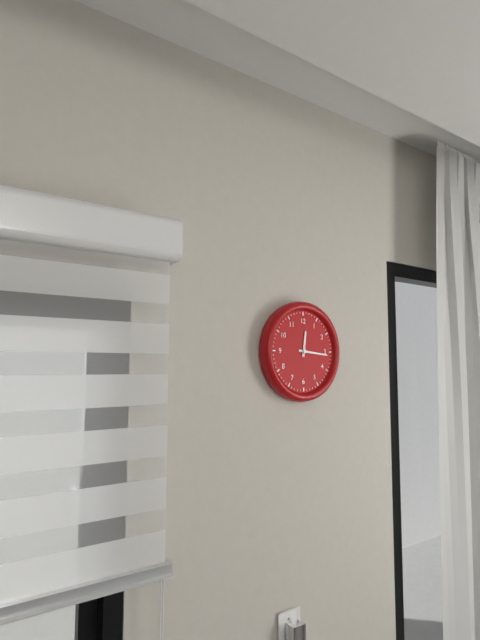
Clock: 12:16
